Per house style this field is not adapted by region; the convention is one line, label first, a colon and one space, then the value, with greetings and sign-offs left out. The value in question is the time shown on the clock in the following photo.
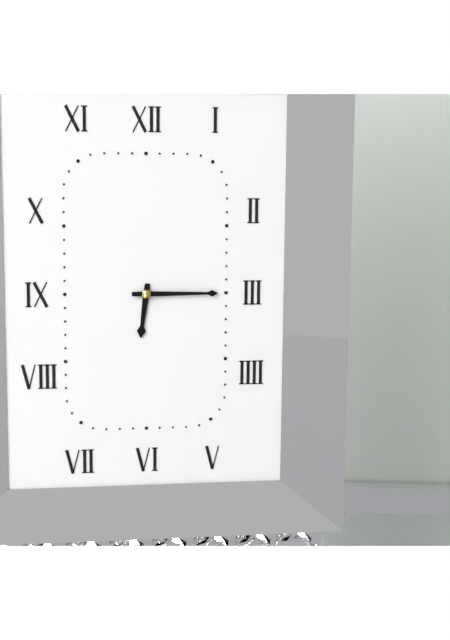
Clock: 6:15
